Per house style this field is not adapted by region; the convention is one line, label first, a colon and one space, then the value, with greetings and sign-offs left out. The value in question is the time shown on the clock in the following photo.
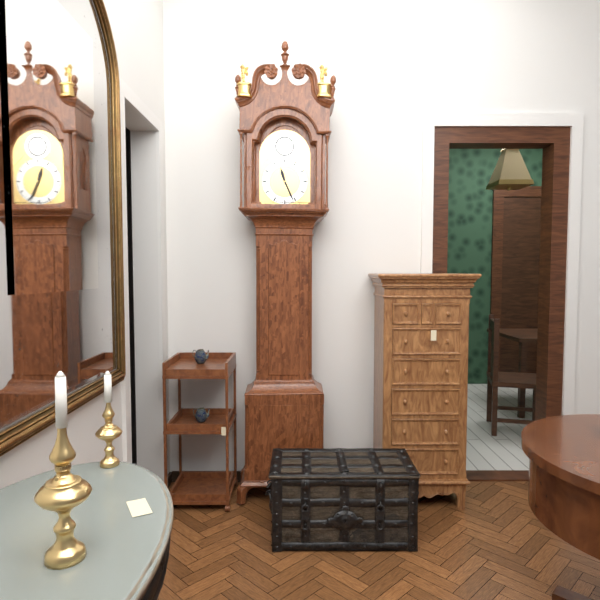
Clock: 11:26
